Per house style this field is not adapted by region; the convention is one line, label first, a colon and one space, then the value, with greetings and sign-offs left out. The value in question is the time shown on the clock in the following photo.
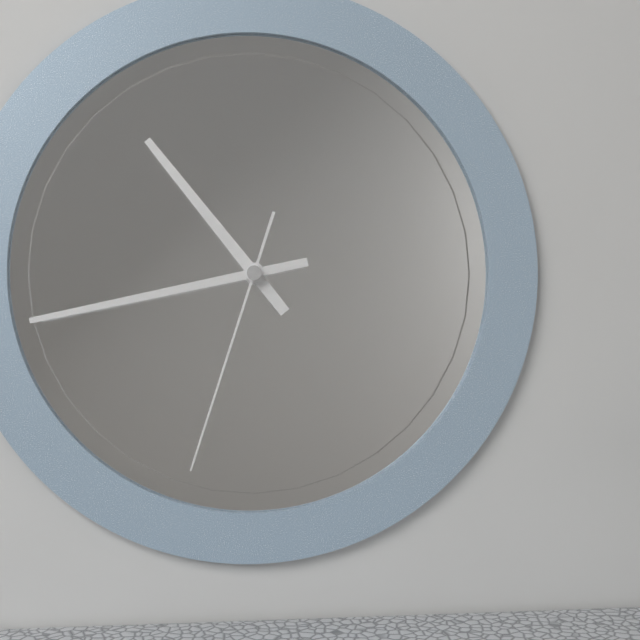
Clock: 10:43:33
